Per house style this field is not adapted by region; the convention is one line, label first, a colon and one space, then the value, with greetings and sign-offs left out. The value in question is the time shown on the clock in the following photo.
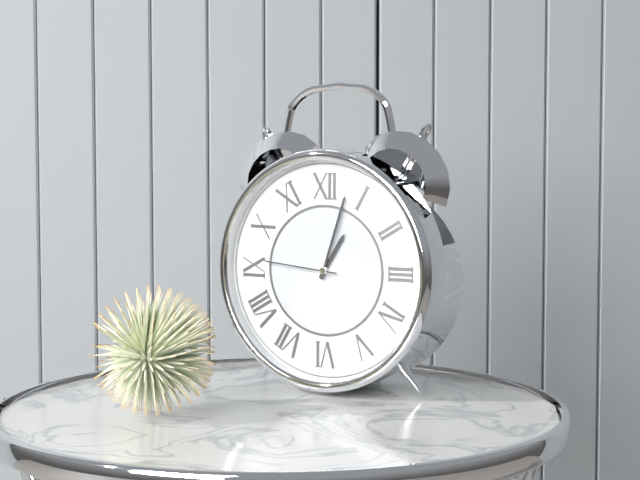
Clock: 1:03:46
